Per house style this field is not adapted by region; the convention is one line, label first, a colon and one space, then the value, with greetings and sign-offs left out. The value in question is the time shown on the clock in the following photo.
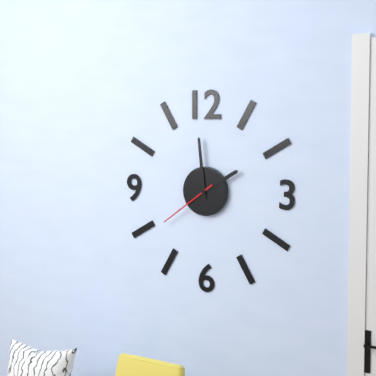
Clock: 1:59:39
